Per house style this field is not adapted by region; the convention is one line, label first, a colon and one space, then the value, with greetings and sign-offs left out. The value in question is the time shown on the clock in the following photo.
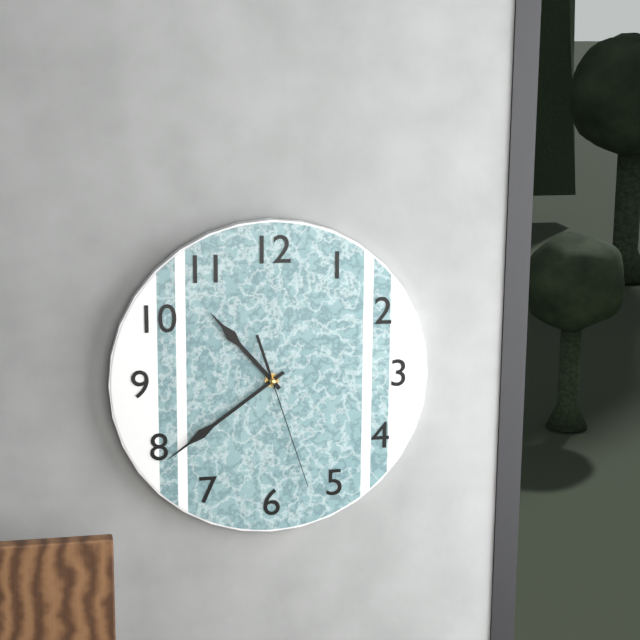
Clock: 10:39:27
